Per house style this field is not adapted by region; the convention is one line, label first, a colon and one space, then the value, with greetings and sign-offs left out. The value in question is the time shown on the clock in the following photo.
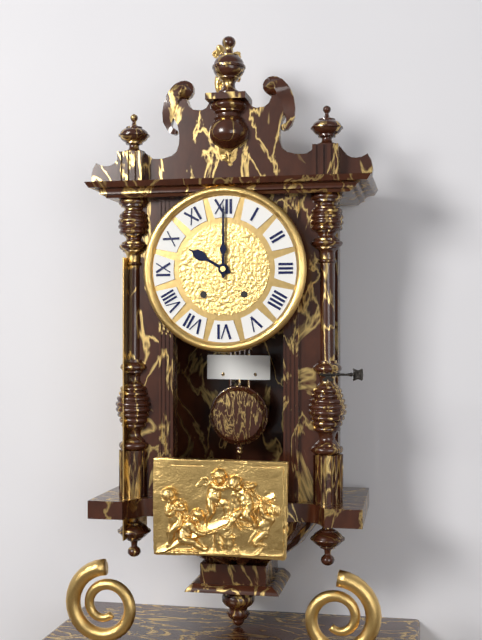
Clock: 10:00
